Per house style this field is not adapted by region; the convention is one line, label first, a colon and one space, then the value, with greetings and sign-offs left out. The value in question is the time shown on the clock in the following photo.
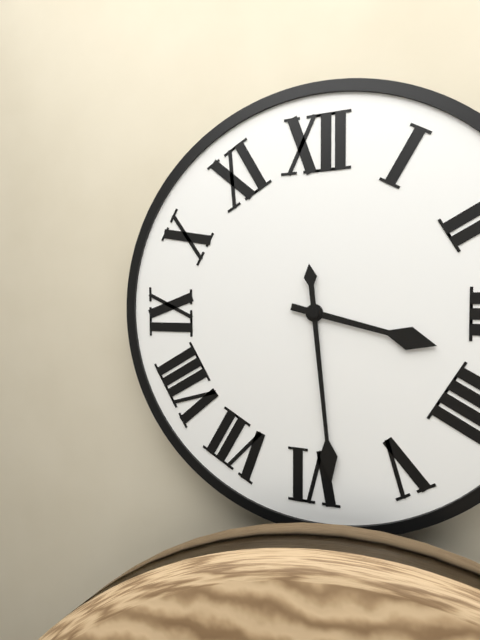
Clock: 3:29
